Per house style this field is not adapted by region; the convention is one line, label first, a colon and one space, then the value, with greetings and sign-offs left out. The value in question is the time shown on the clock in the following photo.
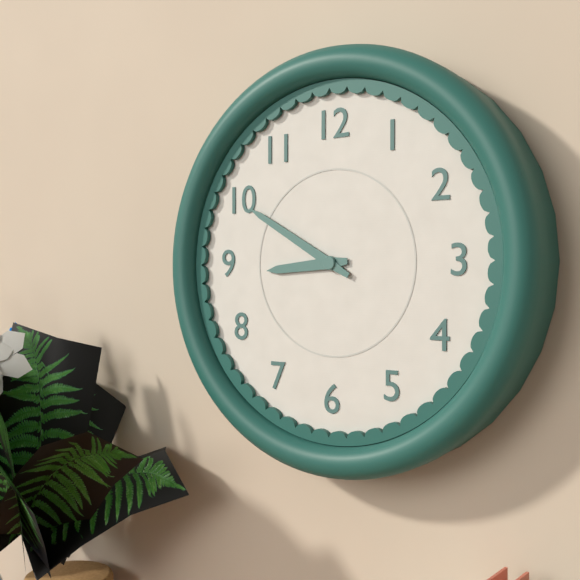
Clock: 8:50
